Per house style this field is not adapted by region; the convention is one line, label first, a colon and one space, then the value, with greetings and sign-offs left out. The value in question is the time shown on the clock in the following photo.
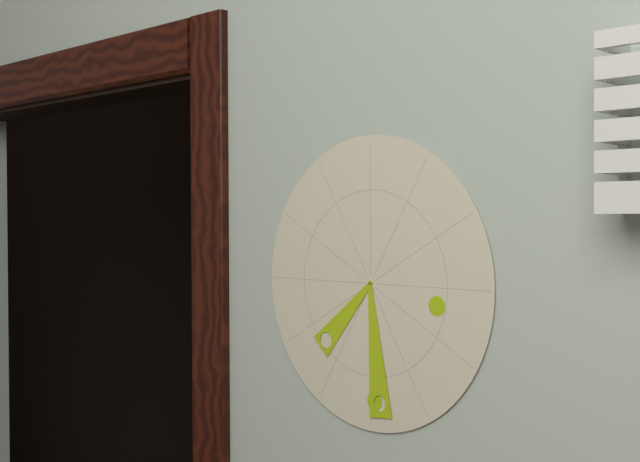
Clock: 7:29
